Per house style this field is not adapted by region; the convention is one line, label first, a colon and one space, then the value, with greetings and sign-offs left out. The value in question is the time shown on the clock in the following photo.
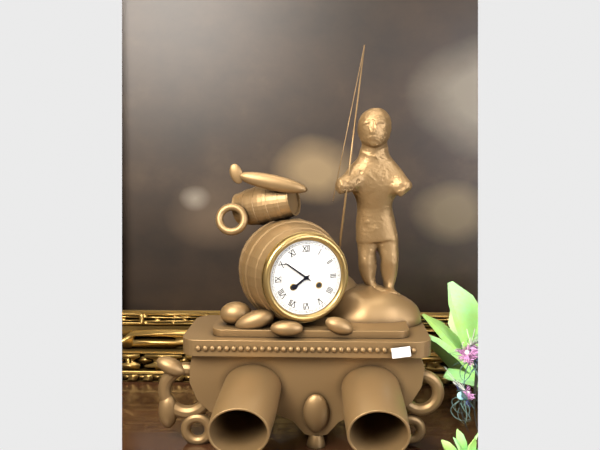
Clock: 7:51
